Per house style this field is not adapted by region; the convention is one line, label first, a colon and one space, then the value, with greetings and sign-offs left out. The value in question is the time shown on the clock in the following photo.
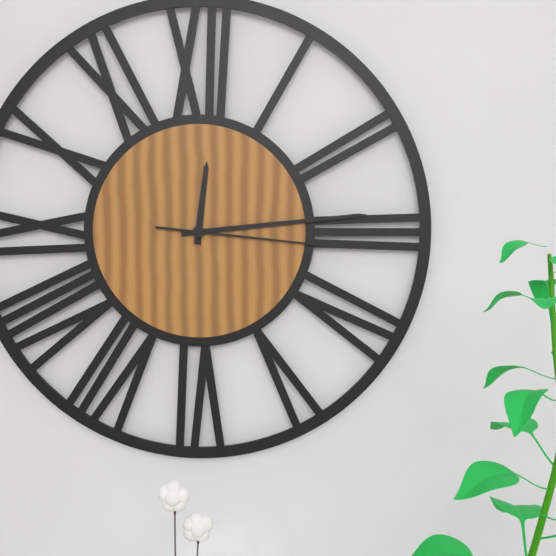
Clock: 12:14:16
